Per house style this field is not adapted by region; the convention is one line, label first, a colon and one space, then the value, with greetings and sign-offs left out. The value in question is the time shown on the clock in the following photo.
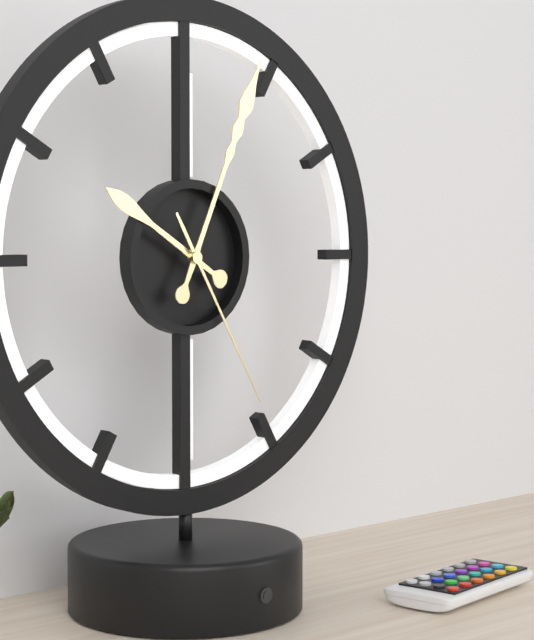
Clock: 10:04:25
